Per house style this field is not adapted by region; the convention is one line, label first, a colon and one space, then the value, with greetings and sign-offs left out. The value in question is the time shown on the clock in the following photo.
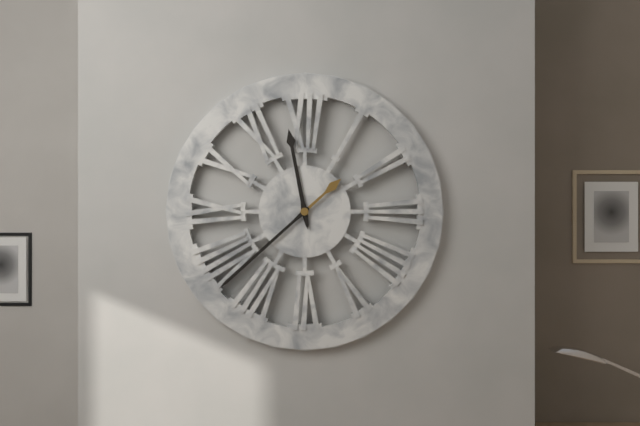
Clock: 11:38
